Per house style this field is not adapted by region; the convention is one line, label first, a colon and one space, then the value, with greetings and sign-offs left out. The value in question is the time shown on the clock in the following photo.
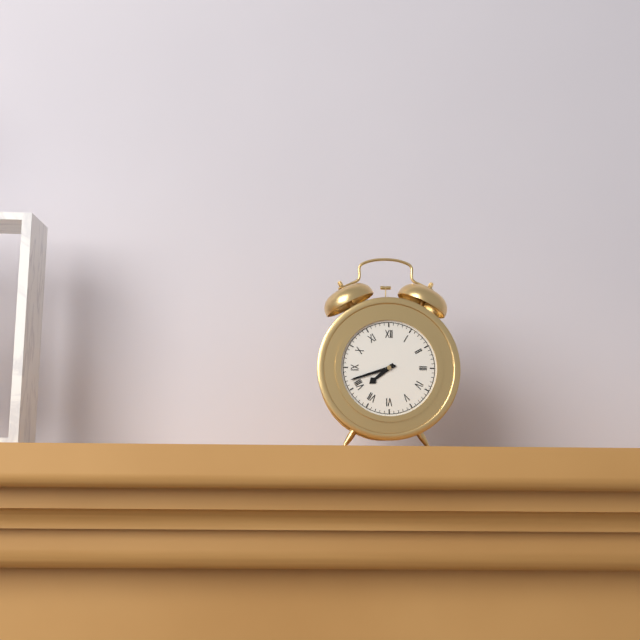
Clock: 7:42
